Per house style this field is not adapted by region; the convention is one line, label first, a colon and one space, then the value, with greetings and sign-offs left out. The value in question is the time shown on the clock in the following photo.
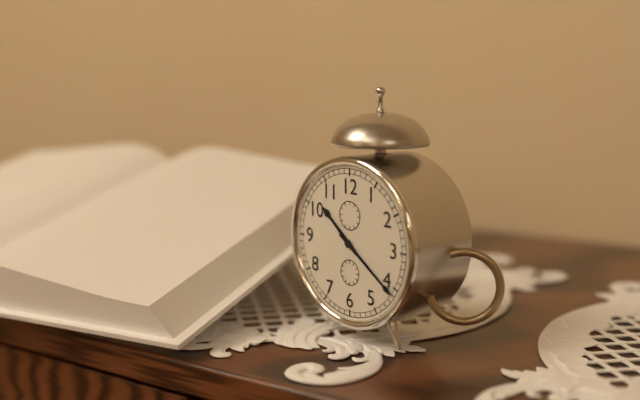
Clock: 10:21
